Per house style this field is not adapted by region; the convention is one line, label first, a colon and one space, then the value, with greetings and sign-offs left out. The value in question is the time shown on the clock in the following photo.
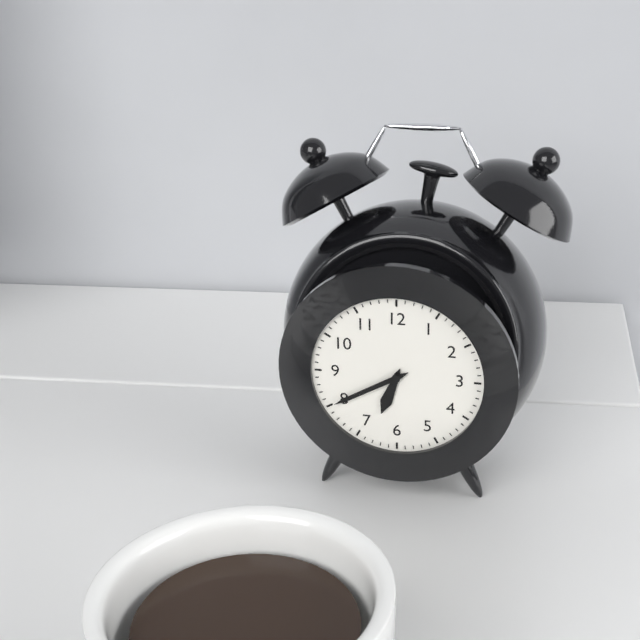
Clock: 6:40
